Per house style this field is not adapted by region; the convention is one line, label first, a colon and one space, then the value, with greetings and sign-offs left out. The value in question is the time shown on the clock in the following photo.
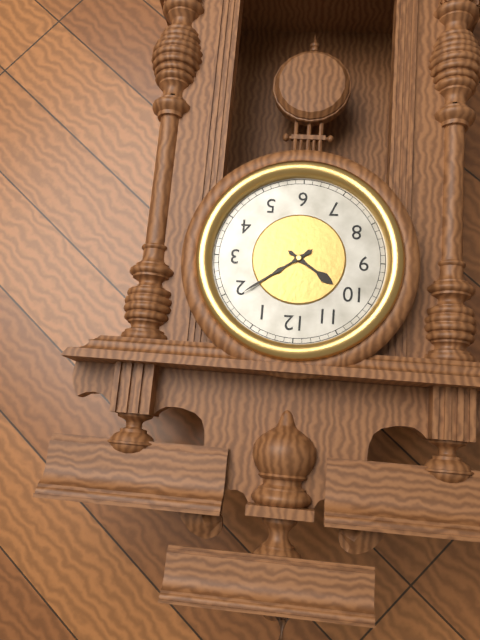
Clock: 10:09
